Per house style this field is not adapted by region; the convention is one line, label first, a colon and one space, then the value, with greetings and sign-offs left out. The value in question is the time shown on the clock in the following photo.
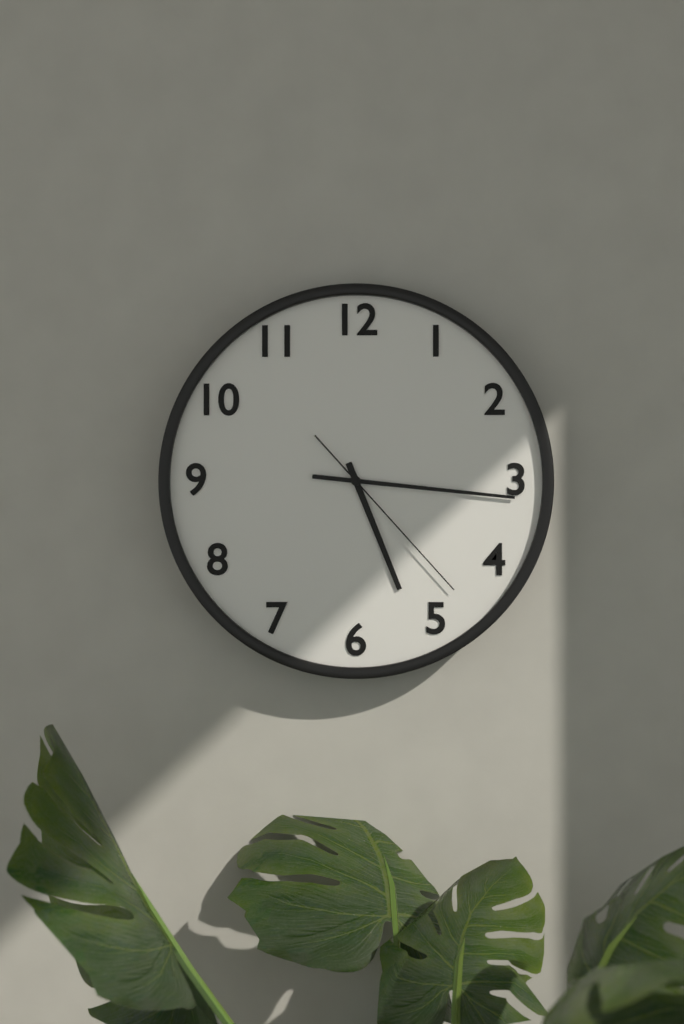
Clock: 5:16:23
